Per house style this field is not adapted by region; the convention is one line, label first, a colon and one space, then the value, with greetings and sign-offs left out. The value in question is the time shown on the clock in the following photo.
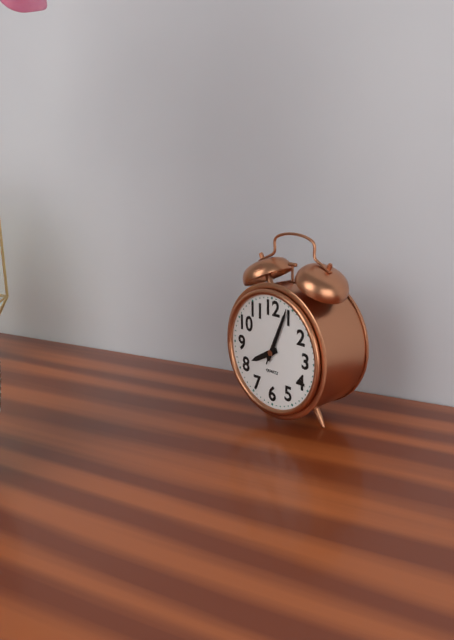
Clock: 8:04:04
